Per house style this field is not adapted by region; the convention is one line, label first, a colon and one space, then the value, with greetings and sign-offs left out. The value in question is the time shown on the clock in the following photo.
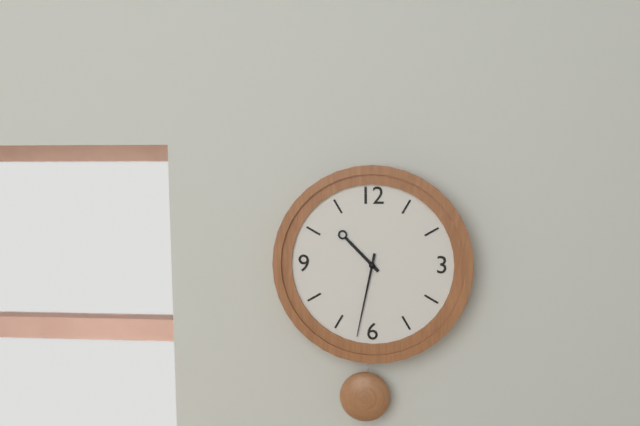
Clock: 10:32
